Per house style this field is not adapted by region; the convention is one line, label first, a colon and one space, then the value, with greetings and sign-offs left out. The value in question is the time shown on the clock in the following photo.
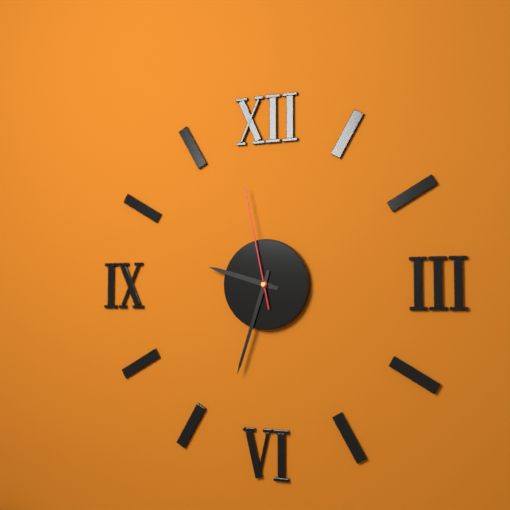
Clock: 9:33:58
